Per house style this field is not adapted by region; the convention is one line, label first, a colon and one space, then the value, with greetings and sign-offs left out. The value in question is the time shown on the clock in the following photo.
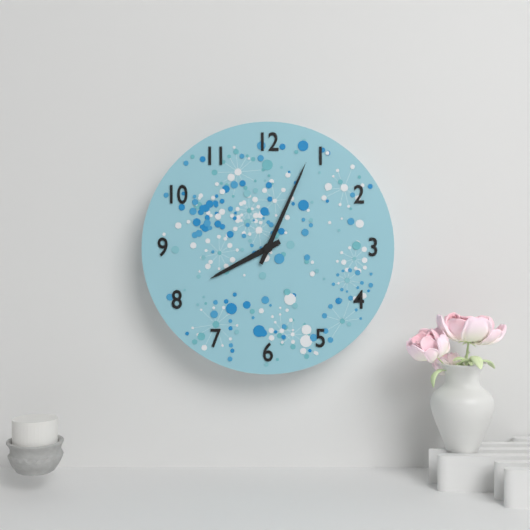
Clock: 8:04
